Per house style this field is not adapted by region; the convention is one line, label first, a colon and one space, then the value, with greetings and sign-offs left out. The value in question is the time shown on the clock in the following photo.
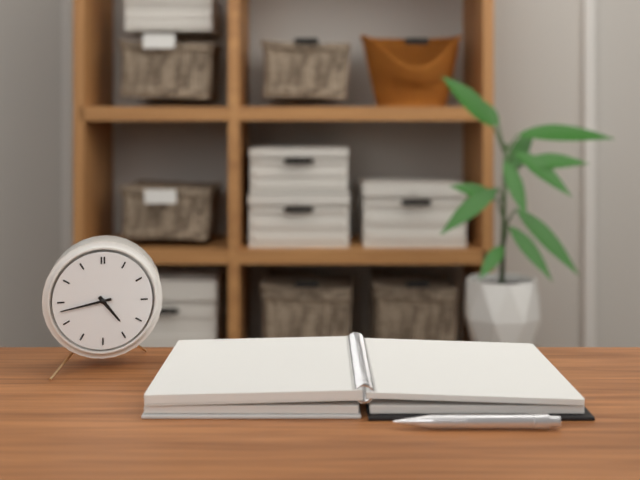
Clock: 4:43
